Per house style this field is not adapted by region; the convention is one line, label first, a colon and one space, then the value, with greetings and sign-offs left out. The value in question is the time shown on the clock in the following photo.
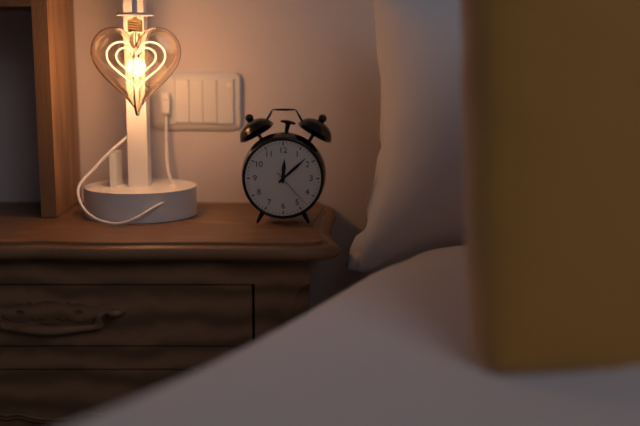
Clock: 12:08
